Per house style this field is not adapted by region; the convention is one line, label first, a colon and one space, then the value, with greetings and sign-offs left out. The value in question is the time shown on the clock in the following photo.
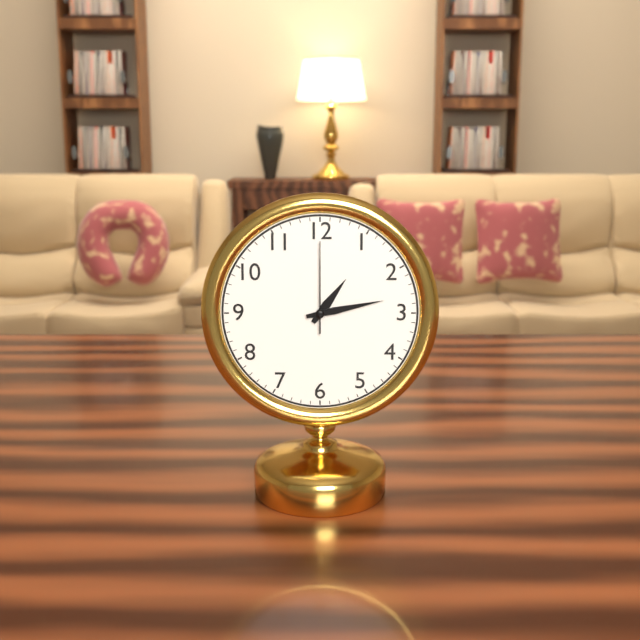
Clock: 1:13:00
